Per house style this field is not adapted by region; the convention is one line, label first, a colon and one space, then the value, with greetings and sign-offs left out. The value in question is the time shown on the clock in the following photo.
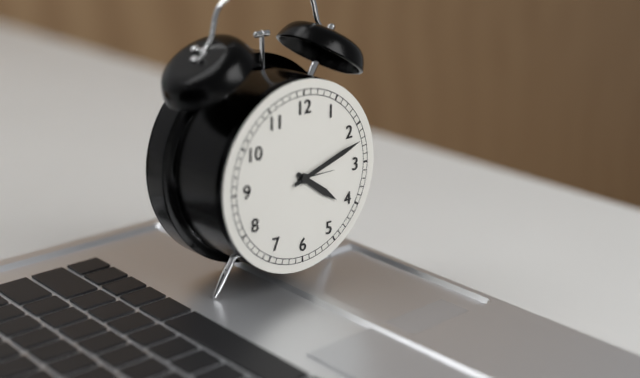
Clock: 4:12
